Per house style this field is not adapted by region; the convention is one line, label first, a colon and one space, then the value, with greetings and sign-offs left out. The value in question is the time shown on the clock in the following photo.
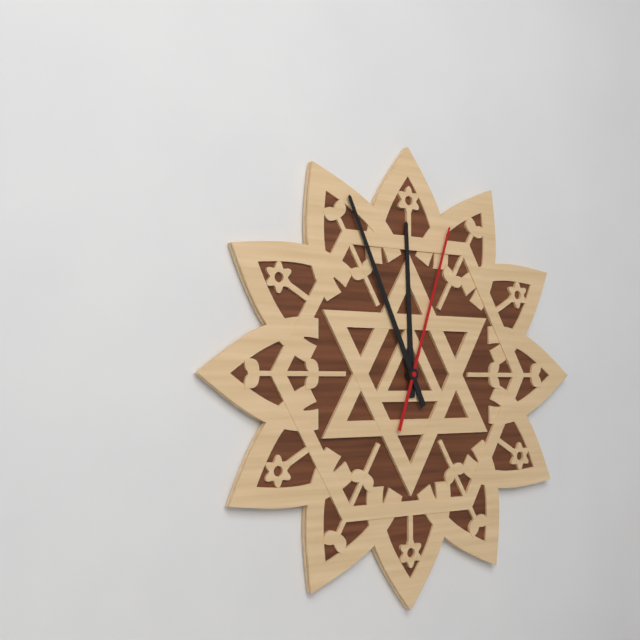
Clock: 11:56:03
